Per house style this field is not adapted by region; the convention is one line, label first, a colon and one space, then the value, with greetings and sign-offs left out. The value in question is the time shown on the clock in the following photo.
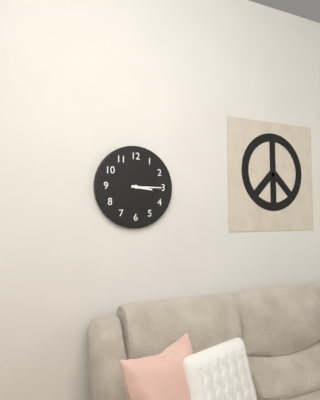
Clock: 3:15
